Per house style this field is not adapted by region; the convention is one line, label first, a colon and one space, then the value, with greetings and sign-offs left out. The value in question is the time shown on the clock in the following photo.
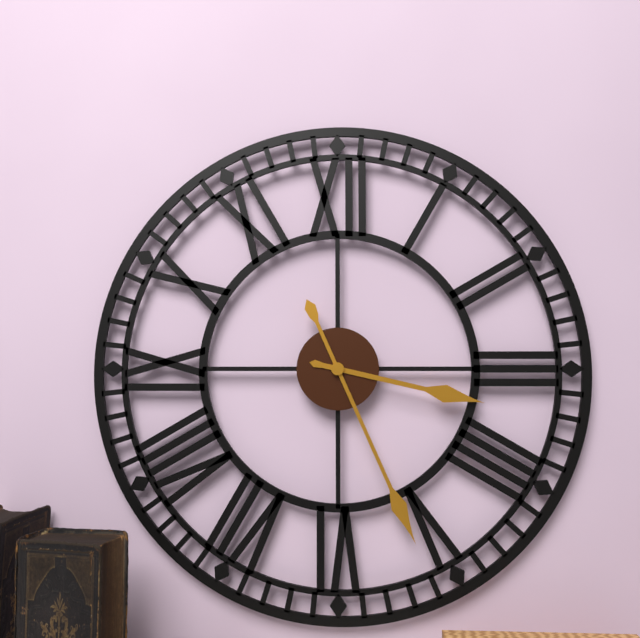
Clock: 3:26
